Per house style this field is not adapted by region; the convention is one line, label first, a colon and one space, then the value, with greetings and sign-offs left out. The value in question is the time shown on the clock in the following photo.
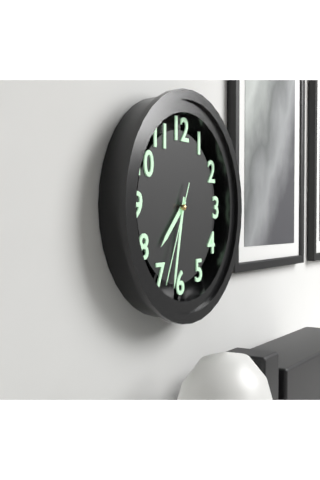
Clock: 7:32:34
